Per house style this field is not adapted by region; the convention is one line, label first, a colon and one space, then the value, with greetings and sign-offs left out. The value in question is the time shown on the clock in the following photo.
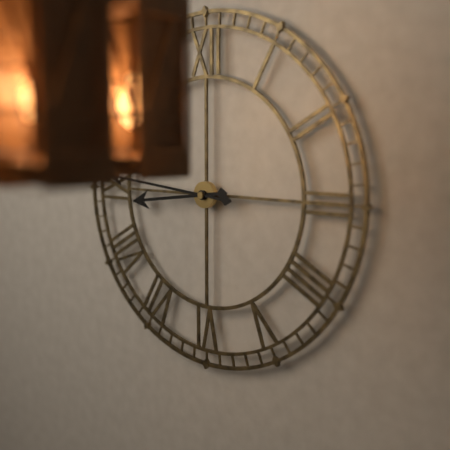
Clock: 8:46
